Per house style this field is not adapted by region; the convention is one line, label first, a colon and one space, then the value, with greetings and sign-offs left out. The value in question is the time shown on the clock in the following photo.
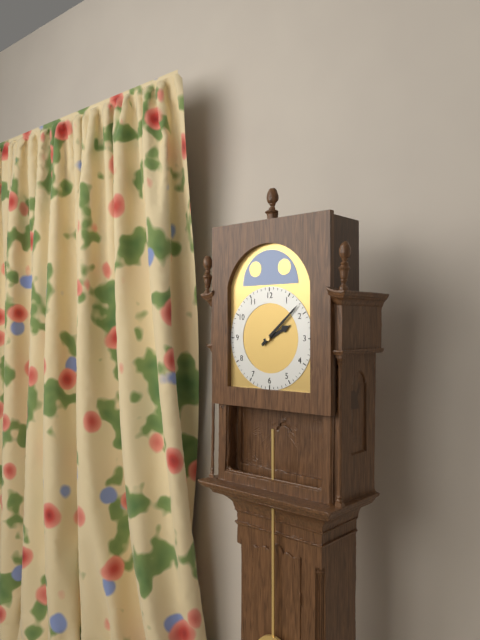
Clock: 2:08
